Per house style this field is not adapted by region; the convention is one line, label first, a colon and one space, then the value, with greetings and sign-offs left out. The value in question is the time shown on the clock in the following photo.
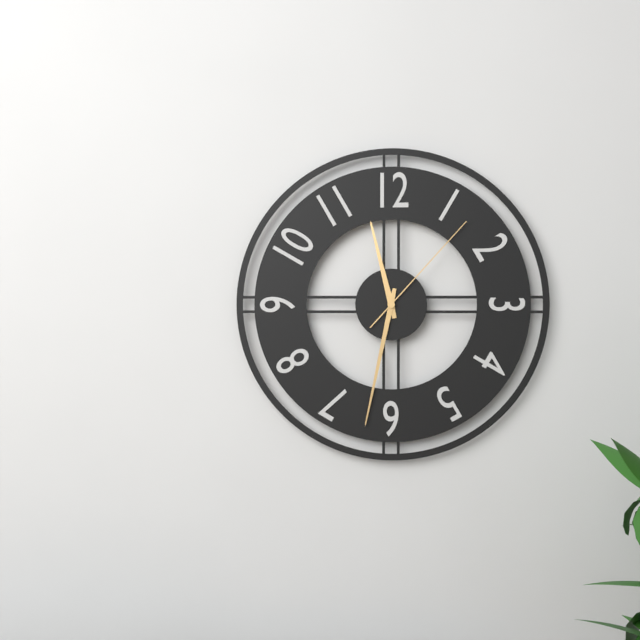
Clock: 11:32:07
